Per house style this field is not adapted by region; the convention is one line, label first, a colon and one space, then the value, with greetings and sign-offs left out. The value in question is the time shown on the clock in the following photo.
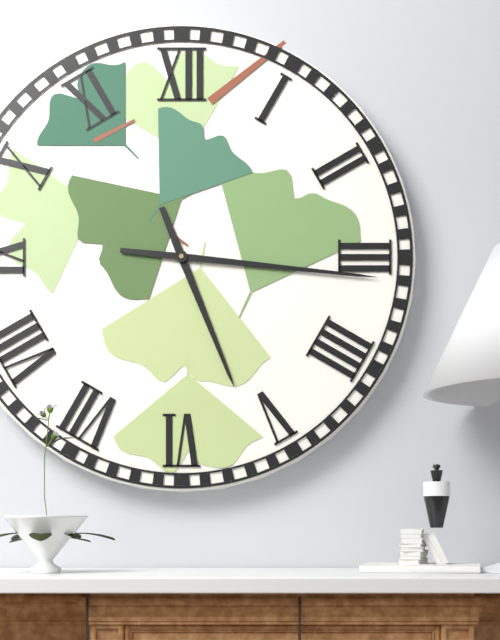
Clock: 5:16
